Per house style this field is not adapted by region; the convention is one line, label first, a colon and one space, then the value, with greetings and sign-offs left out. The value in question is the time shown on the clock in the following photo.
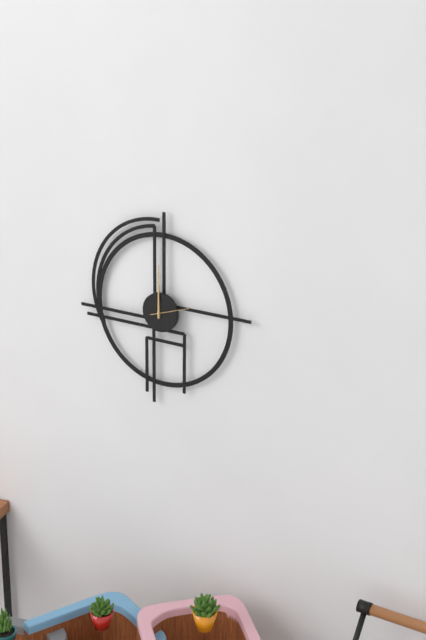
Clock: 12:00
